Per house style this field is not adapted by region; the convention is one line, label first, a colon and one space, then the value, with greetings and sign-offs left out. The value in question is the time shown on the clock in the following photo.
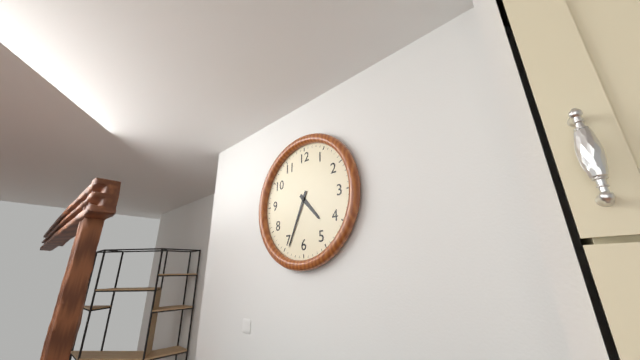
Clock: 4:34
